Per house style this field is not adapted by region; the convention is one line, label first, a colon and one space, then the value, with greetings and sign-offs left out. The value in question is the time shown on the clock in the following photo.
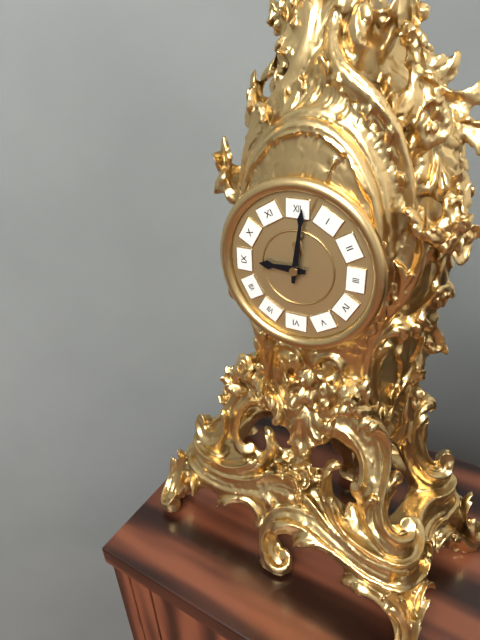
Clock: 9:01
